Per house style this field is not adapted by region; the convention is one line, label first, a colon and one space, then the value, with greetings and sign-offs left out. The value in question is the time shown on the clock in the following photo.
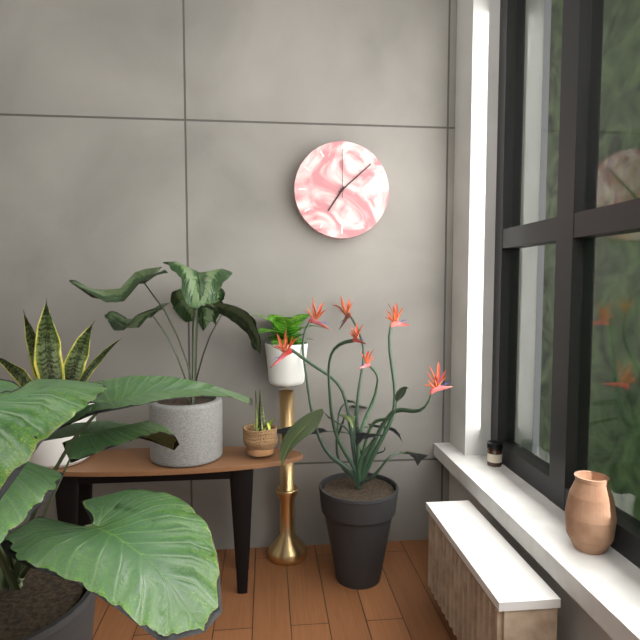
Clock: 7:08:00
